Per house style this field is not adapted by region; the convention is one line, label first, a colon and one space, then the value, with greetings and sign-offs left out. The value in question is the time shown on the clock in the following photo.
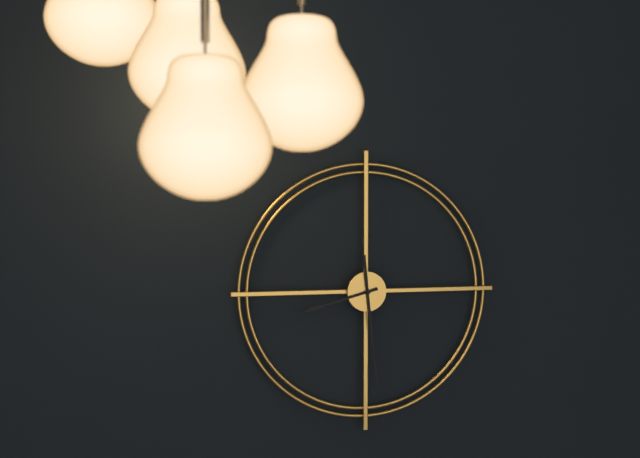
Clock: 8:29
